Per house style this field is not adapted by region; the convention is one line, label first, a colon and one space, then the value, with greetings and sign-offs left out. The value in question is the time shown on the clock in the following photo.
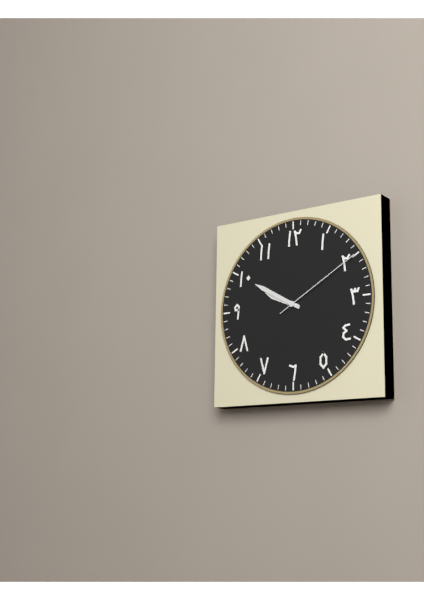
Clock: 9:50:10
